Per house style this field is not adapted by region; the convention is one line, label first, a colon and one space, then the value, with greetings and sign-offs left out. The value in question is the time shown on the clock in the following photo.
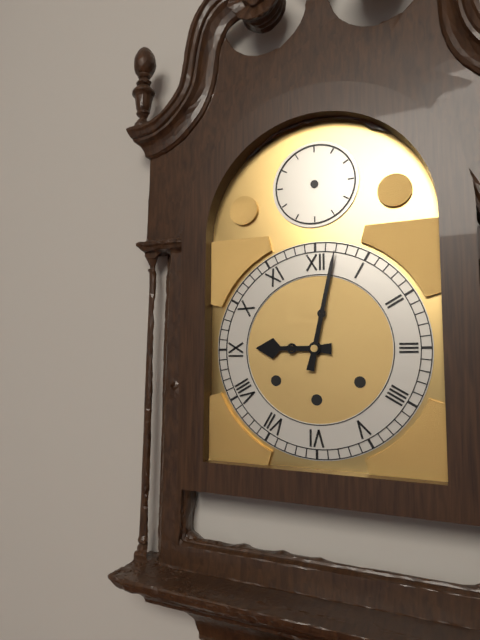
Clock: 9:02
